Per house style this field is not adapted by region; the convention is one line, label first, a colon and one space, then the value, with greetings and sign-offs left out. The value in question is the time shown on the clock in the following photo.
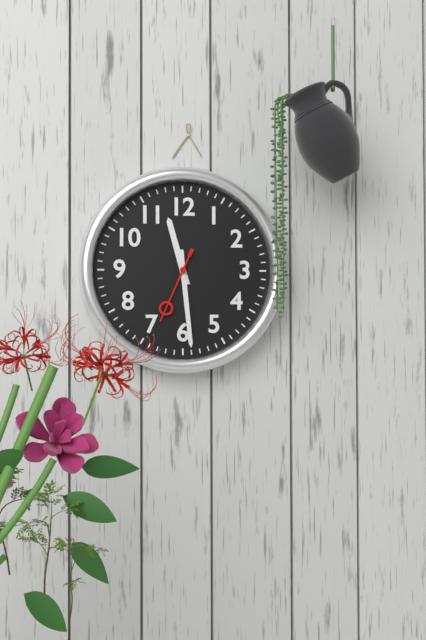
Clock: 11:29:34
